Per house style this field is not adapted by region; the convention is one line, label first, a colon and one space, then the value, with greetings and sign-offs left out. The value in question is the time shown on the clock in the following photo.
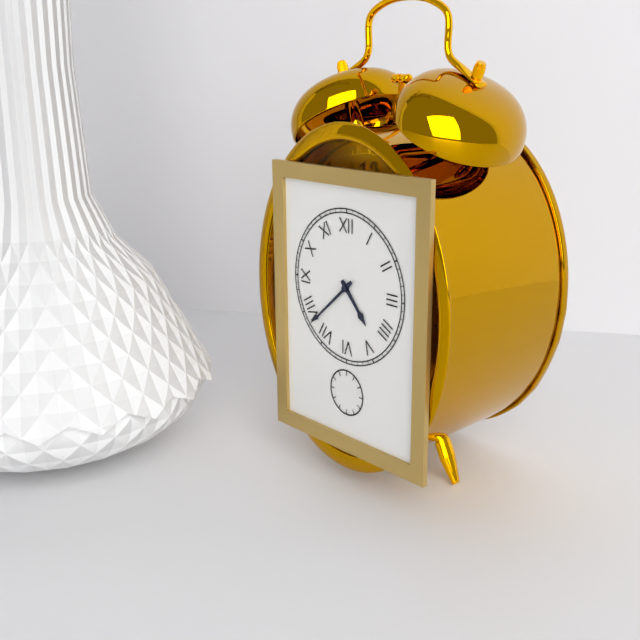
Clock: 4:38
